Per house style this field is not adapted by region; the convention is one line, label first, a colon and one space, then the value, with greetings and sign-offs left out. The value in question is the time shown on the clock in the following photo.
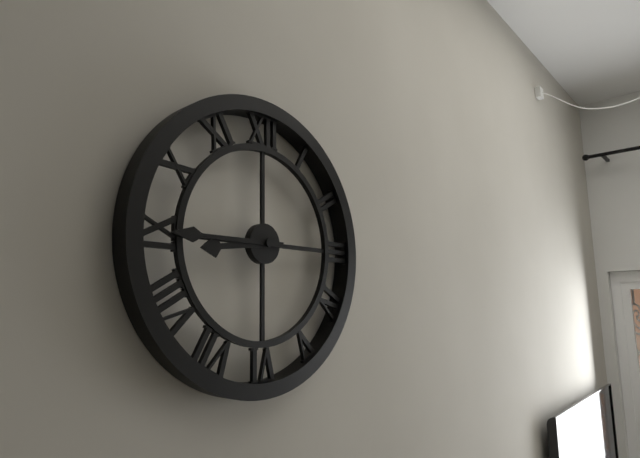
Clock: 8:45
